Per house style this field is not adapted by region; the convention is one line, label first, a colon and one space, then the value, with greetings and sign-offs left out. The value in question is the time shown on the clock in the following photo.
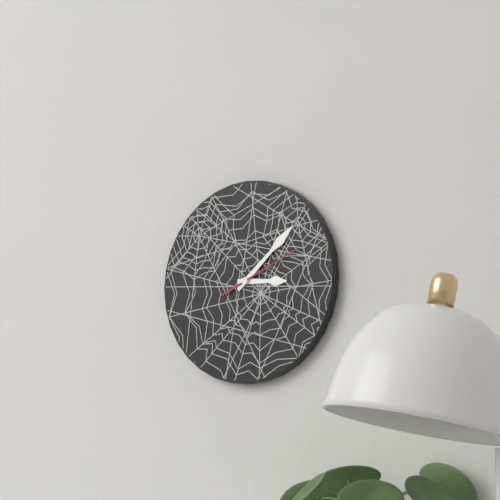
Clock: 3:08:11
